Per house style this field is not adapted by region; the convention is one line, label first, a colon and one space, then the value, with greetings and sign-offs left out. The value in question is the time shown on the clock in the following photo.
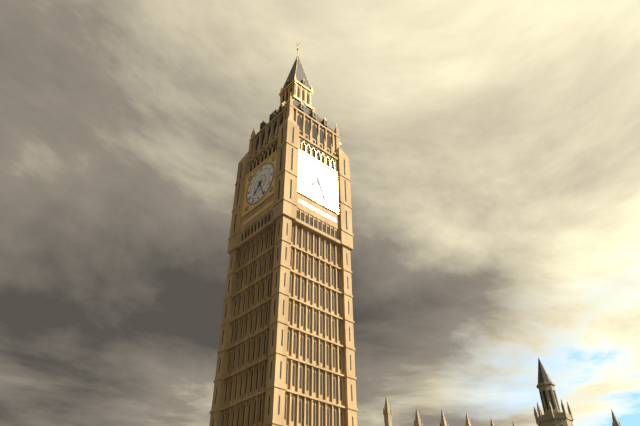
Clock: 7:26
